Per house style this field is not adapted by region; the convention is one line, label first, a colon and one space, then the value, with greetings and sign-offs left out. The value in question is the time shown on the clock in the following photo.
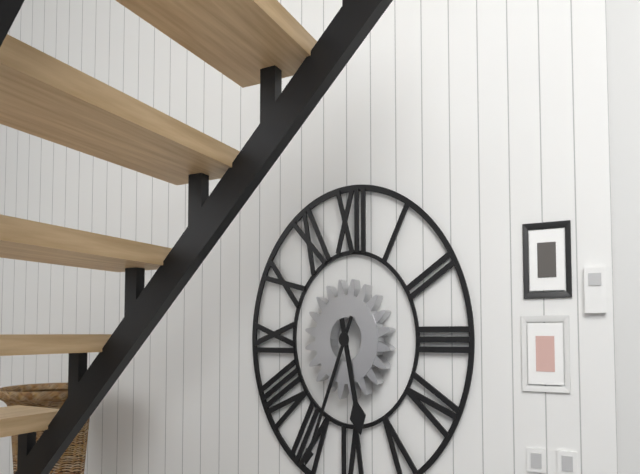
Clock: 5:34
